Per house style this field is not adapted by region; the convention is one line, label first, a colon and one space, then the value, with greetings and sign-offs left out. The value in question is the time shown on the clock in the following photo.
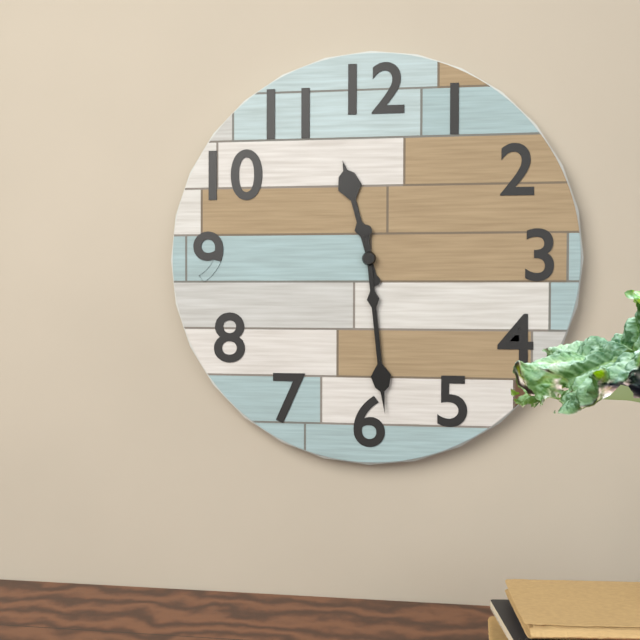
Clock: 11:29
